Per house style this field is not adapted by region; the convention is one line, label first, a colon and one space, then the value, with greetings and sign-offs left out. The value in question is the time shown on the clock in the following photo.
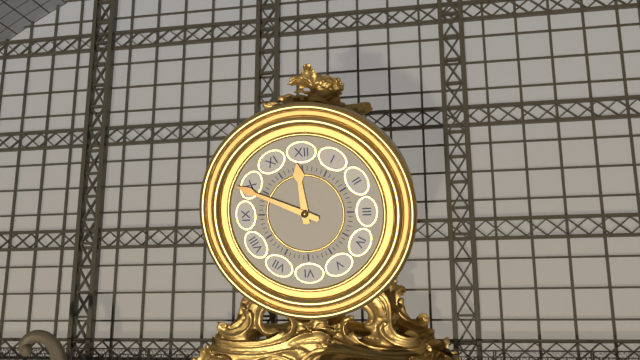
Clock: 11:49
